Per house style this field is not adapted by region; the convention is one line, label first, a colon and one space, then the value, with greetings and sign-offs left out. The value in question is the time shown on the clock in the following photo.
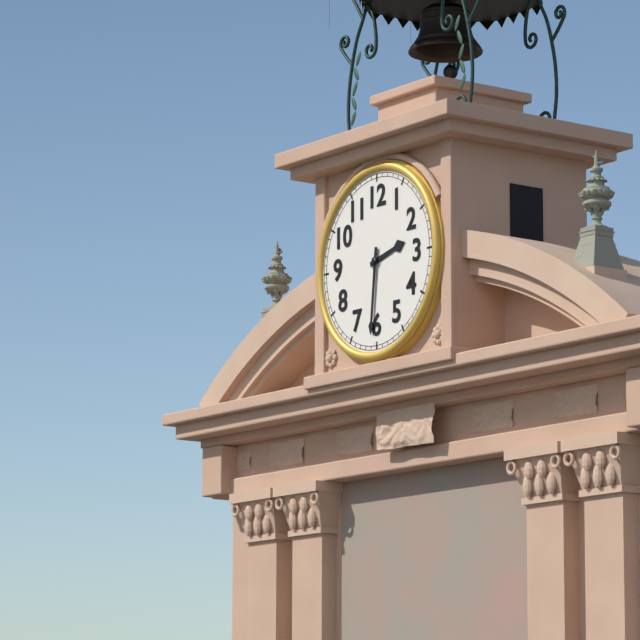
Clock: 2:31
